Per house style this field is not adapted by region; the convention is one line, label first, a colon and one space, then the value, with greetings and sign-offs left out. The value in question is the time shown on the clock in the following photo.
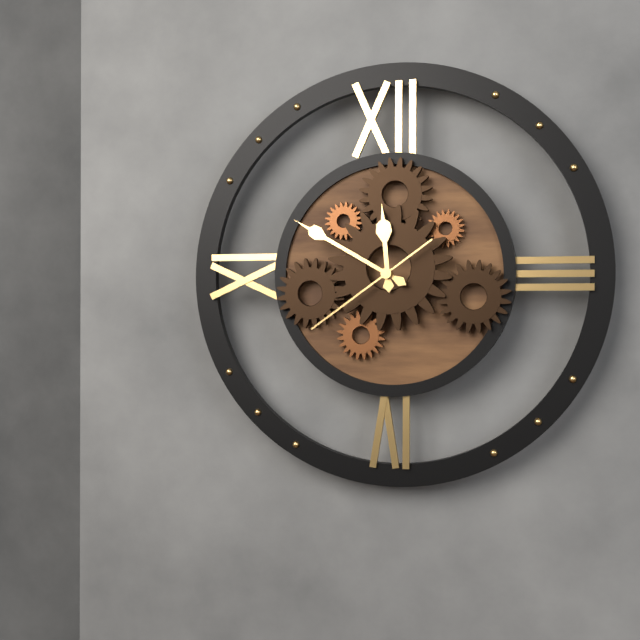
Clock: 11:50:39
